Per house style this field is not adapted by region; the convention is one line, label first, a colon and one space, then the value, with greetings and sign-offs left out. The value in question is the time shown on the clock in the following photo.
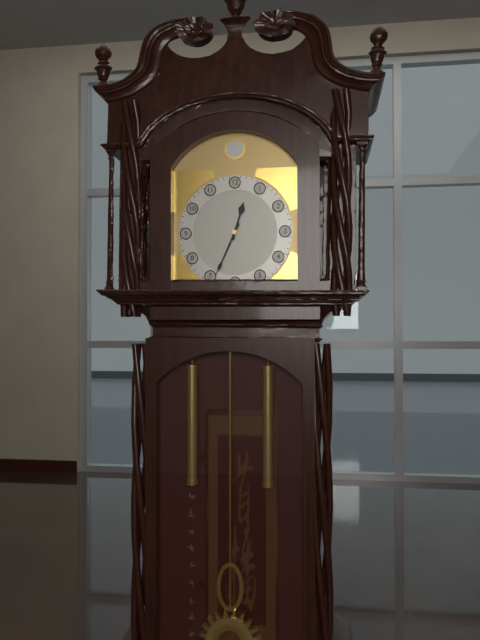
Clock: 12:34
